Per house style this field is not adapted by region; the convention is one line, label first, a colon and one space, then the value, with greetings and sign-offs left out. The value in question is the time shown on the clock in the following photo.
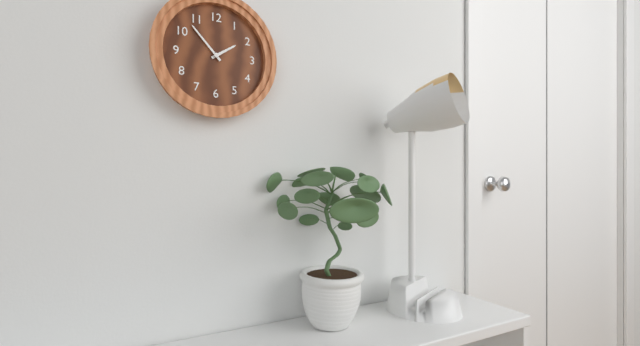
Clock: 1:53
